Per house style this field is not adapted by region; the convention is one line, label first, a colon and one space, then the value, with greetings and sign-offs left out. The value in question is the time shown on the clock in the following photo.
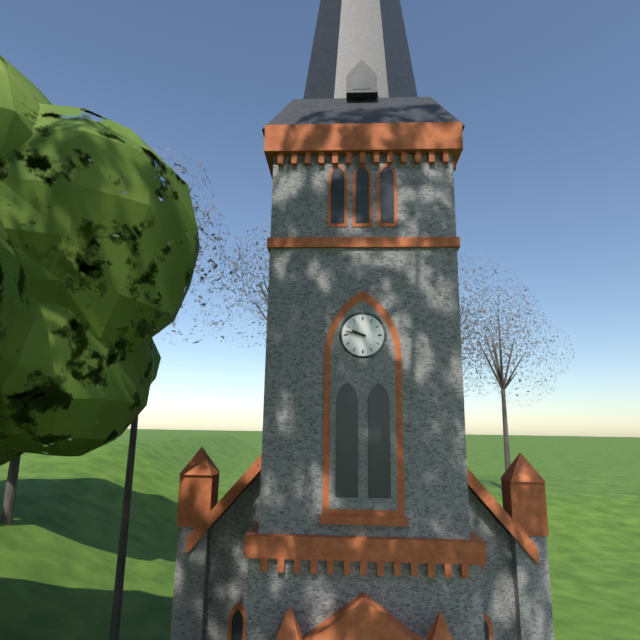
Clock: 9:47
